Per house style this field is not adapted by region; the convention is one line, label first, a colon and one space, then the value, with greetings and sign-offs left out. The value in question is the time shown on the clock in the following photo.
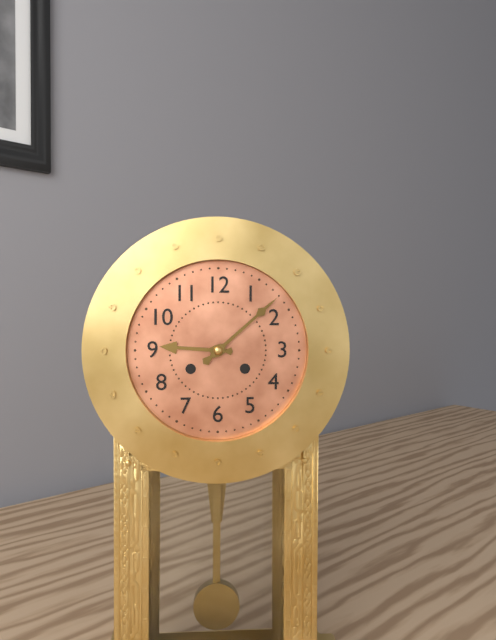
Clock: 9:08
